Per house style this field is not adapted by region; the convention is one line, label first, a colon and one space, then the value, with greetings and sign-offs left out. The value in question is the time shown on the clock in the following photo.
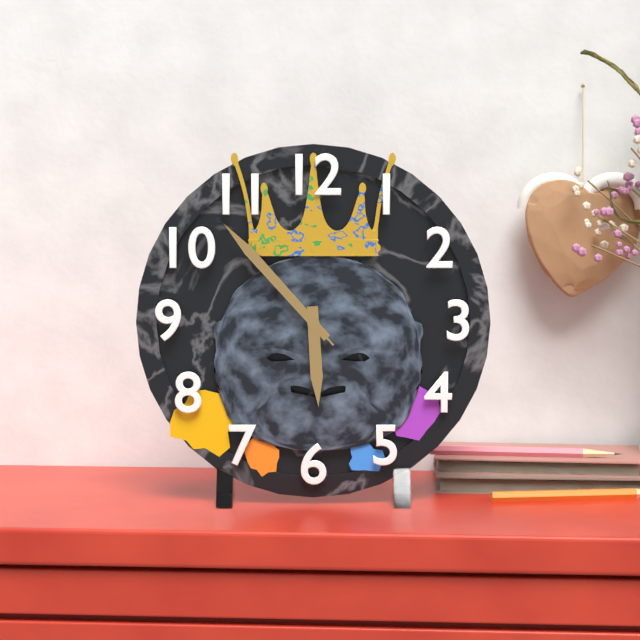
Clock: 5:53:53
